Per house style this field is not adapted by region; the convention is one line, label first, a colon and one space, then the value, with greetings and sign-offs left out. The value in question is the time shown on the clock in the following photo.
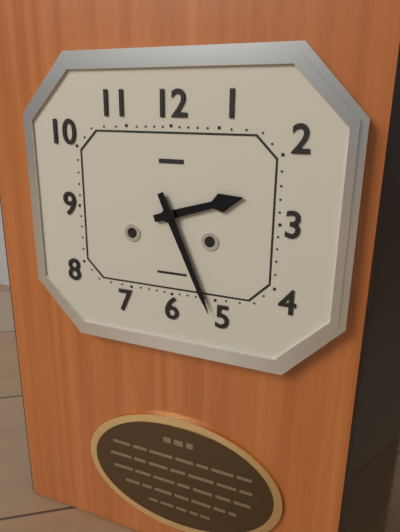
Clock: 2:26
